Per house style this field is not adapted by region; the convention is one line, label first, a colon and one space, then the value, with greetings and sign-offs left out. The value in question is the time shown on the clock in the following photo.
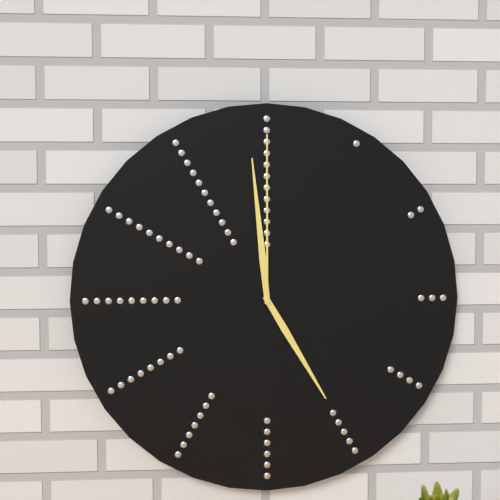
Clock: 4:59:00
